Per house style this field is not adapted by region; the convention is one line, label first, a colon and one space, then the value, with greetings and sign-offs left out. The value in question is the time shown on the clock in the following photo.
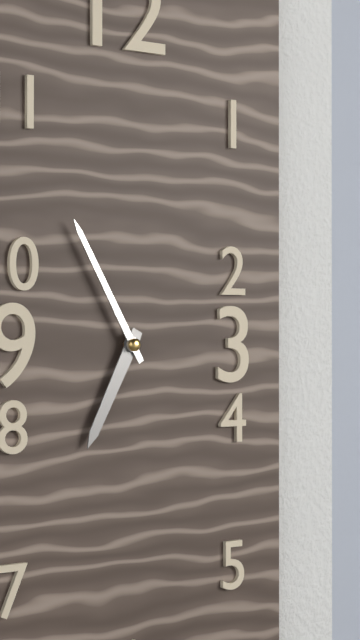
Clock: 6:55
